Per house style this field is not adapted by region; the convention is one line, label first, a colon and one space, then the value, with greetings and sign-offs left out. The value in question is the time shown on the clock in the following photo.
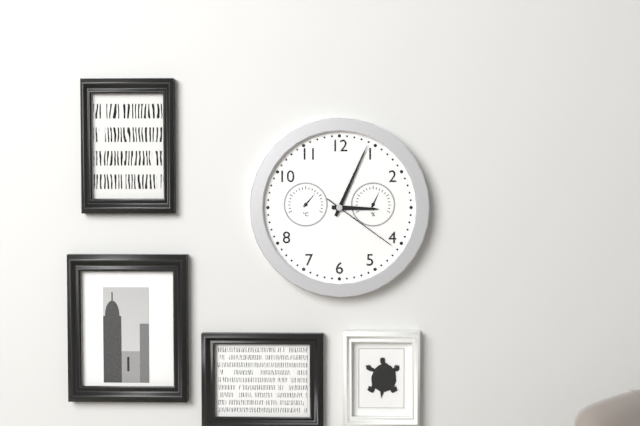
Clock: 3:04:21
